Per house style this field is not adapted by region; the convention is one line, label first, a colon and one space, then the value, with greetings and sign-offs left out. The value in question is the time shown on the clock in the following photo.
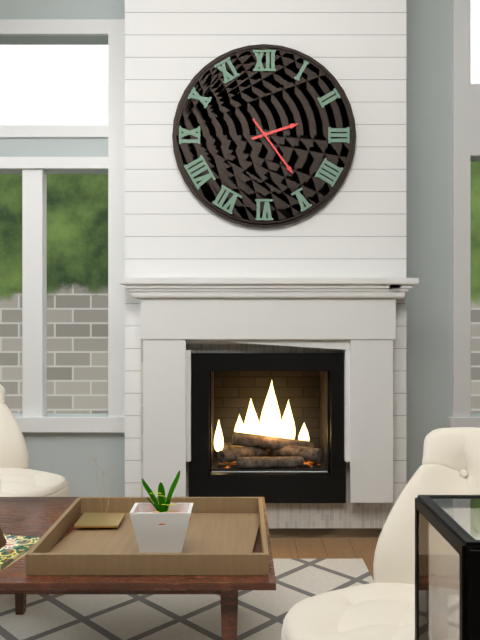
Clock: 2:24
